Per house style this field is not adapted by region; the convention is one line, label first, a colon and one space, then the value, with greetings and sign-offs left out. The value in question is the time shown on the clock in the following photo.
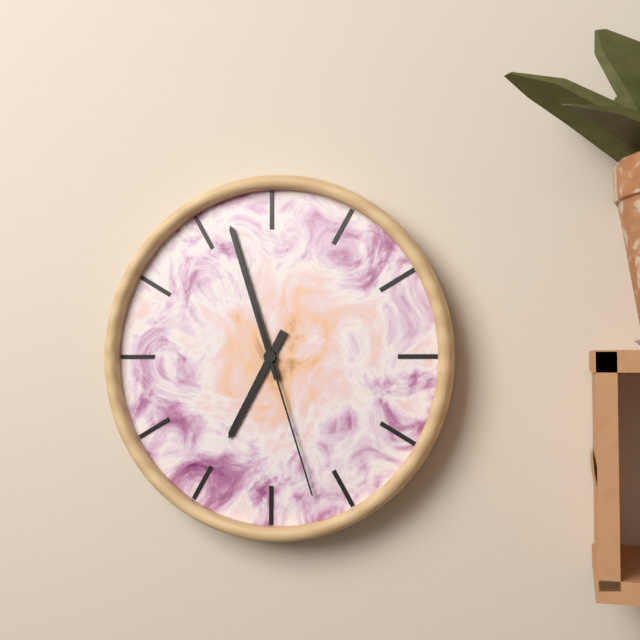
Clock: 6:57:27
